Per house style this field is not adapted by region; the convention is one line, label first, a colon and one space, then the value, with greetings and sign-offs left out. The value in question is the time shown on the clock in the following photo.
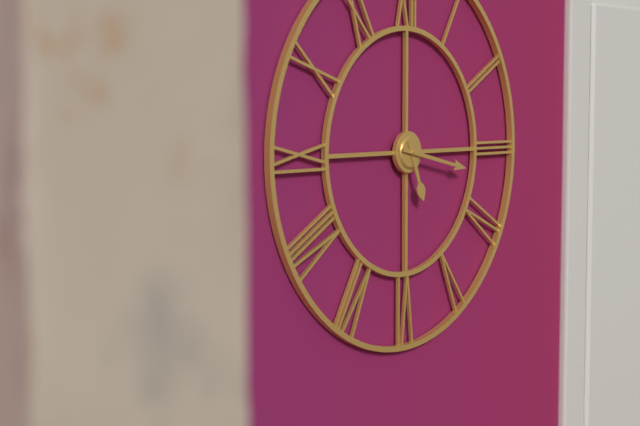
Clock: 5:17
